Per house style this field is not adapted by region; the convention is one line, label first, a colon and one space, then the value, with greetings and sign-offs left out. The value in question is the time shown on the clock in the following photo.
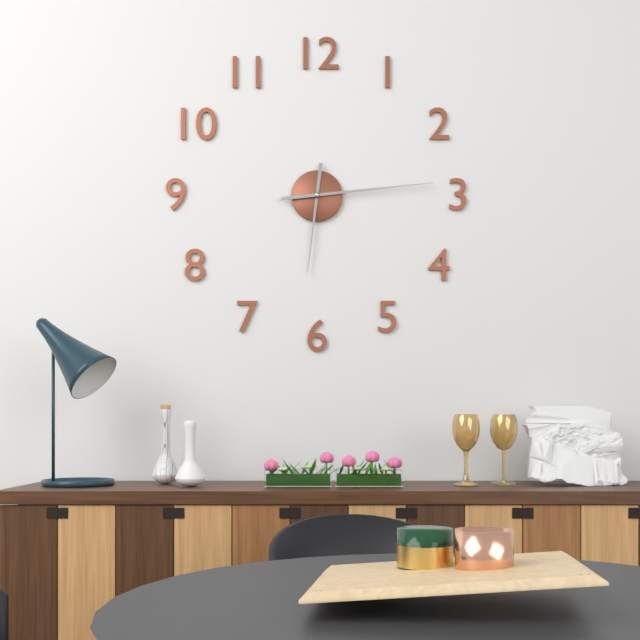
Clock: 6:14
